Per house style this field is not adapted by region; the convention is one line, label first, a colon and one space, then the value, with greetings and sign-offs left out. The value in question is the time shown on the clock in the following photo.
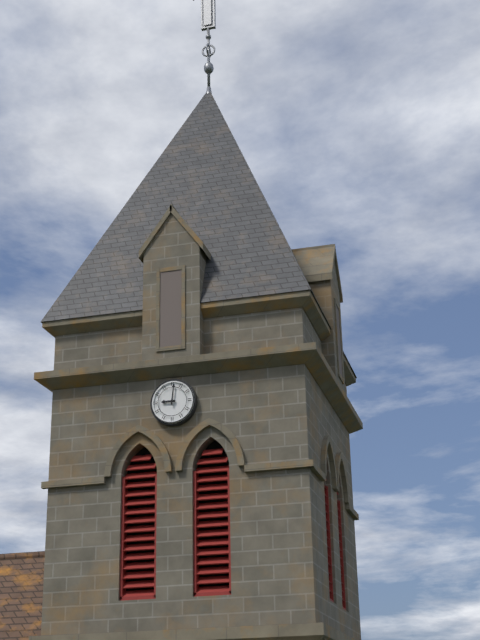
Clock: 9:01
